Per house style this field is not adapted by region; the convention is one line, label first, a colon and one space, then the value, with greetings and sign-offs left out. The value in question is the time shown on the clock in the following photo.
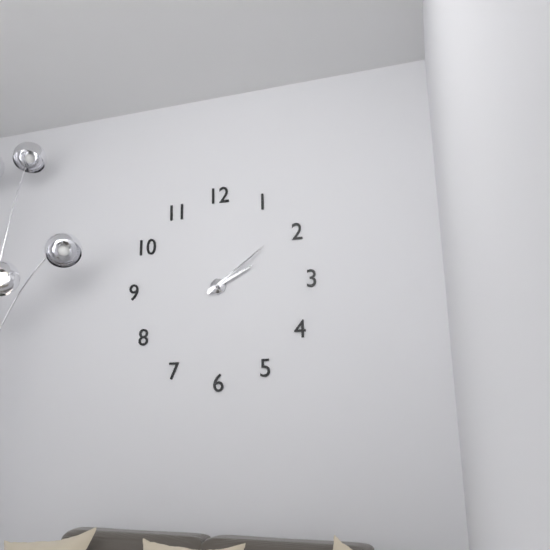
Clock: 2:09
